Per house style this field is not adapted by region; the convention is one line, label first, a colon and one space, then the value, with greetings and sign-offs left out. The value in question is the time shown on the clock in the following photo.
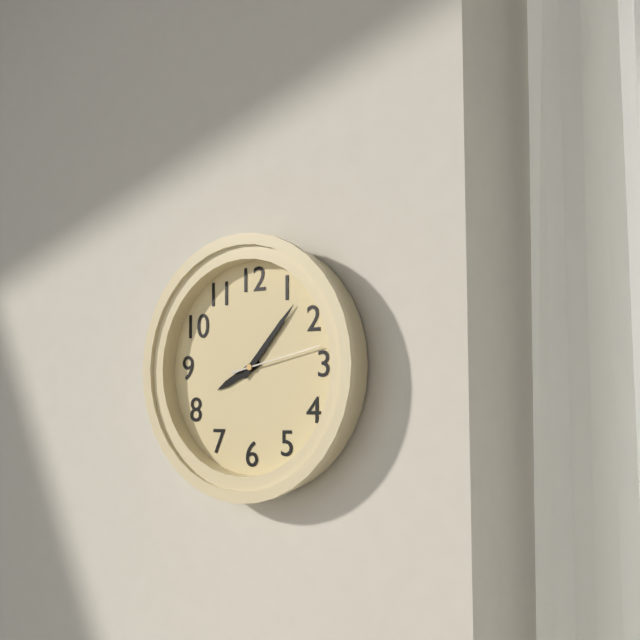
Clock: 8:07:13
